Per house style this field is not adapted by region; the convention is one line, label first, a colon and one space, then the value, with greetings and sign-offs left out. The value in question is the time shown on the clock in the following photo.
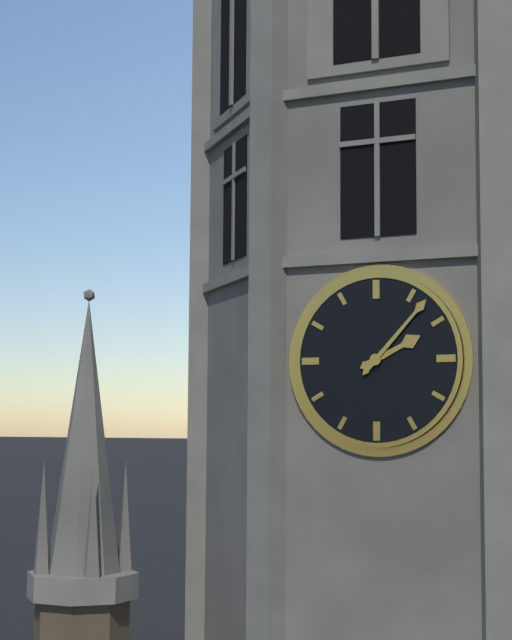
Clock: 2:07
